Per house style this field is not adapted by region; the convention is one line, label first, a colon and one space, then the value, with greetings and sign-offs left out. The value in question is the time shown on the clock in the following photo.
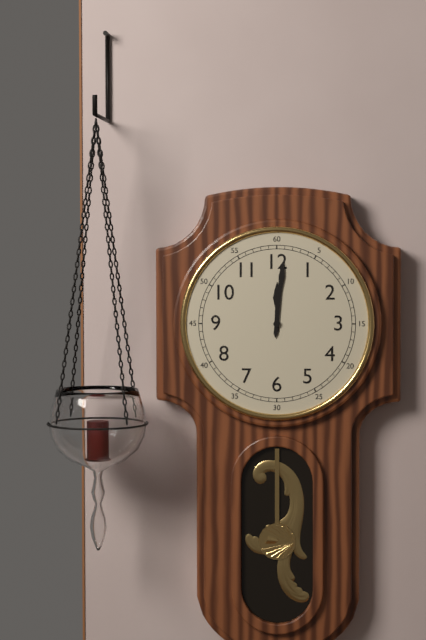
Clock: 12:01
